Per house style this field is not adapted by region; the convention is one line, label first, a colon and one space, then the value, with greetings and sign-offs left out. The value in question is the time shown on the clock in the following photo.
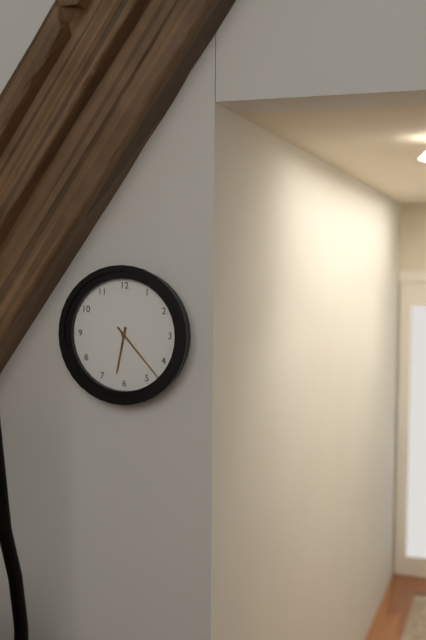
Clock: 6:23
